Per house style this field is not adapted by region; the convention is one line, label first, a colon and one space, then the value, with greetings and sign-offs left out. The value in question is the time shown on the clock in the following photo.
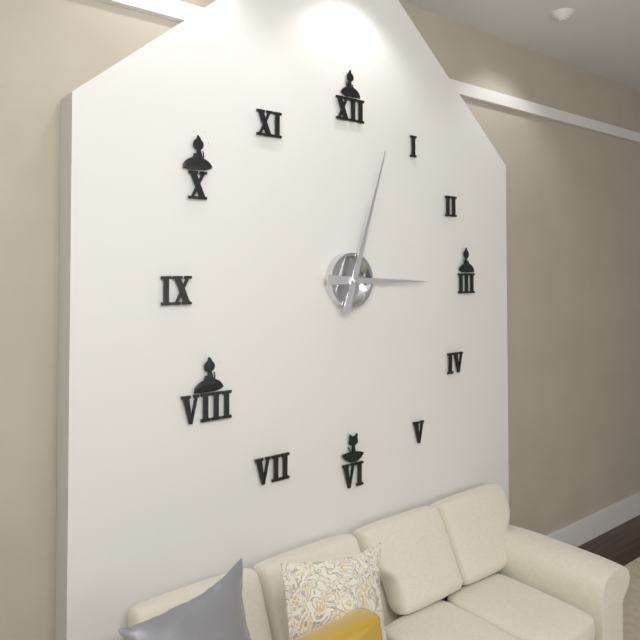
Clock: 3:03
